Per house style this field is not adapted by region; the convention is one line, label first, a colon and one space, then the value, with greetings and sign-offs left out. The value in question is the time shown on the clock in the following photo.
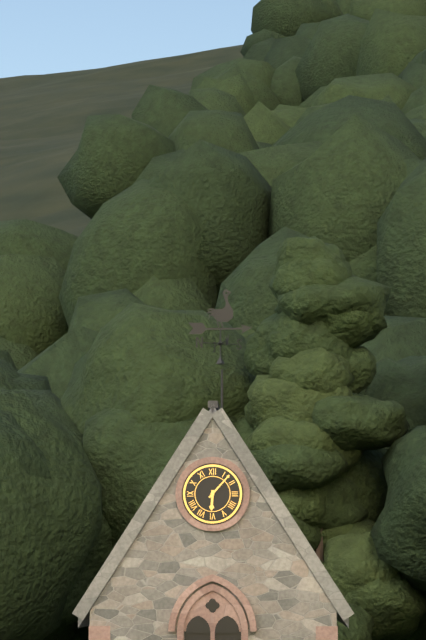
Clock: 6:07
